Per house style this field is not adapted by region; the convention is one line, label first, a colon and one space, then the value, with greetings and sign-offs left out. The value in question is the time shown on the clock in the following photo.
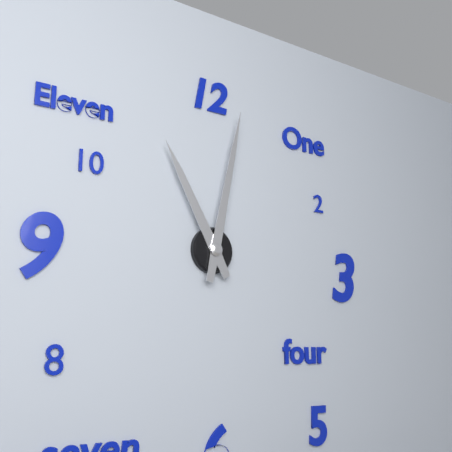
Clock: 11:02
